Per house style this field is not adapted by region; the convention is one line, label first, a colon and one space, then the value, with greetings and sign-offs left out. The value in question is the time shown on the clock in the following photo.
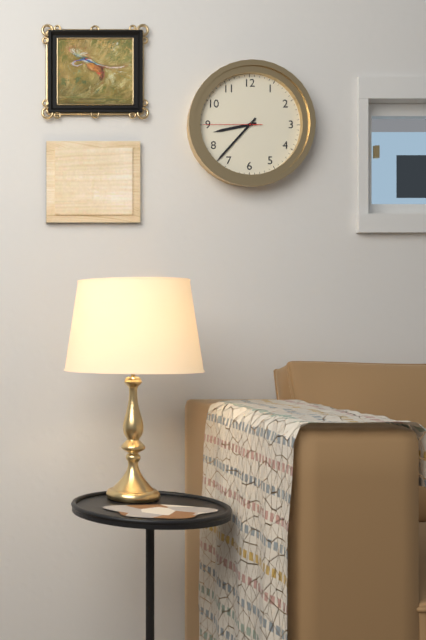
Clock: 8:37:45
